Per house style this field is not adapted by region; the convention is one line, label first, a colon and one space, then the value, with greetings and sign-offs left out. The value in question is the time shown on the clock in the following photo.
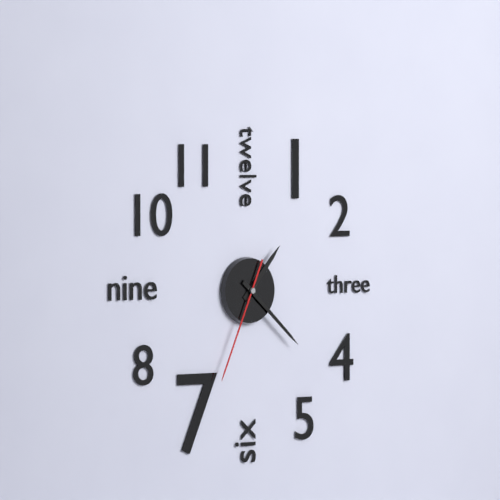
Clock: 1:22:34
